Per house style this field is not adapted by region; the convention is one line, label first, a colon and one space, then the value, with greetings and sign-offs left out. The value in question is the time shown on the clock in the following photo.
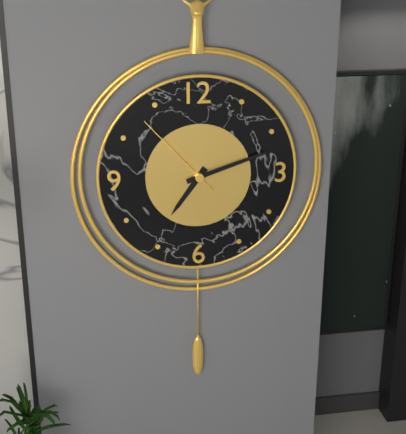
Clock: 7:12:53
